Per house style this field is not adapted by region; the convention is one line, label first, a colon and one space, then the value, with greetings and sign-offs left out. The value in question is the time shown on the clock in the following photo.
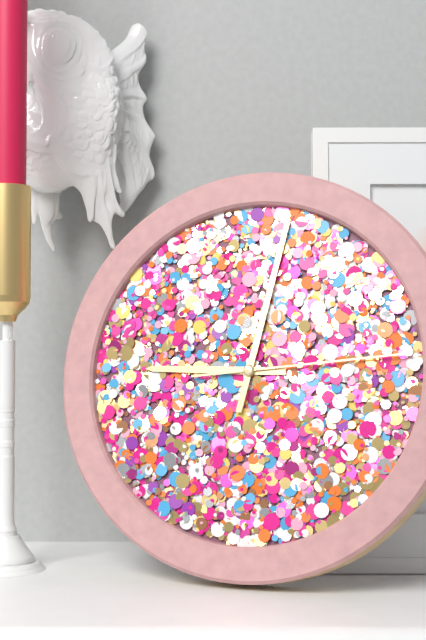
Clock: 9:02:14
